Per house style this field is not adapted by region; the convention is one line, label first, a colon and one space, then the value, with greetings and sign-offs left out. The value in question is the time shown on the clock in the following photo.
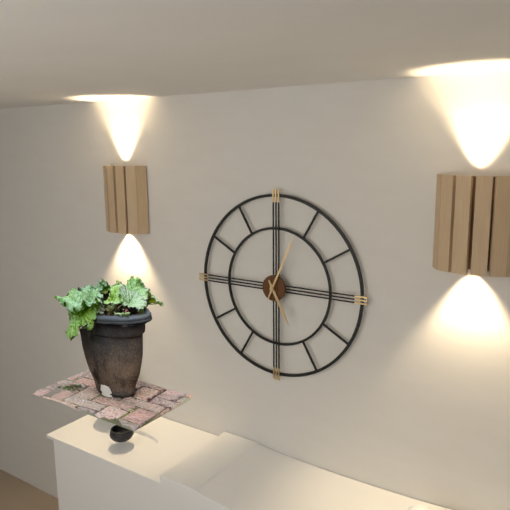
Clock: 5:04
